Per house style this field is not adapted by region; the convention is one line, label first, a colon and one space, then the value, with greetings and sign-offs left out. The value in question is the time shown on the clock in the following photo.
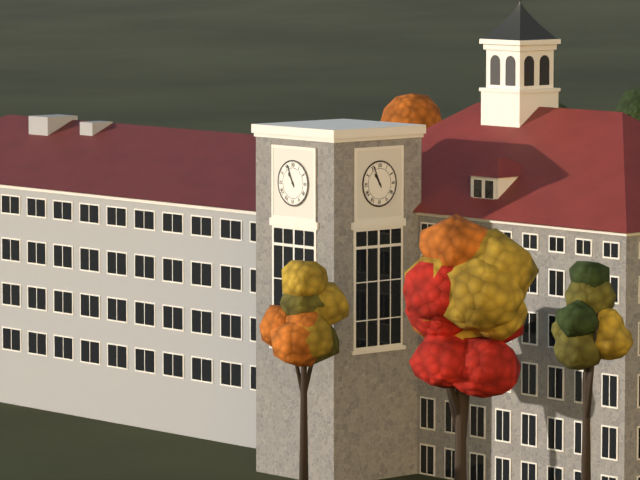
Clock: 10:56
